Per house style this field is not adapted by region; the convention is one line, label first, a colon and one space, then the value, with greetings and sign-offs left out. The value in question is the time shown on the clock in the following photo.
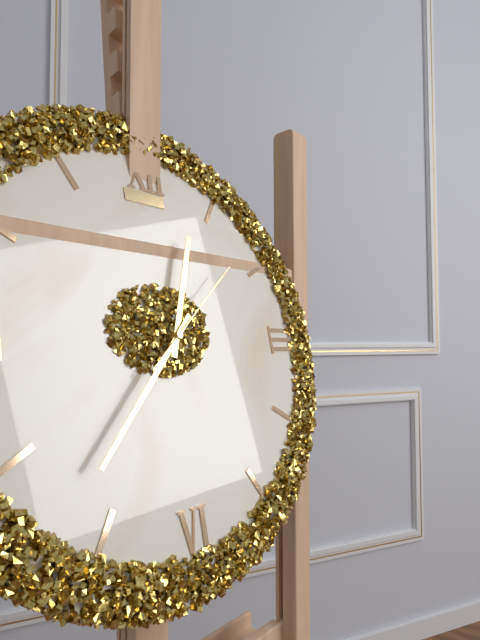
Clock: 12:37:08
